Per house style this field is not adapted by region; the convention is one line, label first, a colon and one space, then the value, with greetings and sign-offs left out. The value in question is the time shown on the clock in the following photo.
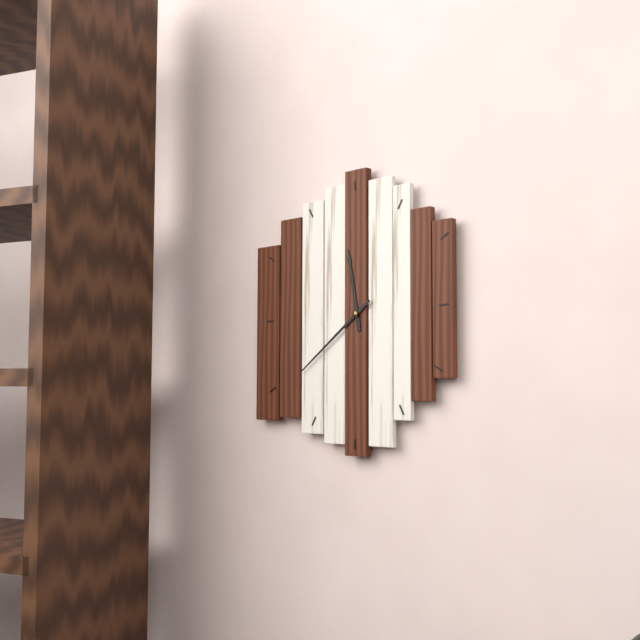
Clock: 11:39
